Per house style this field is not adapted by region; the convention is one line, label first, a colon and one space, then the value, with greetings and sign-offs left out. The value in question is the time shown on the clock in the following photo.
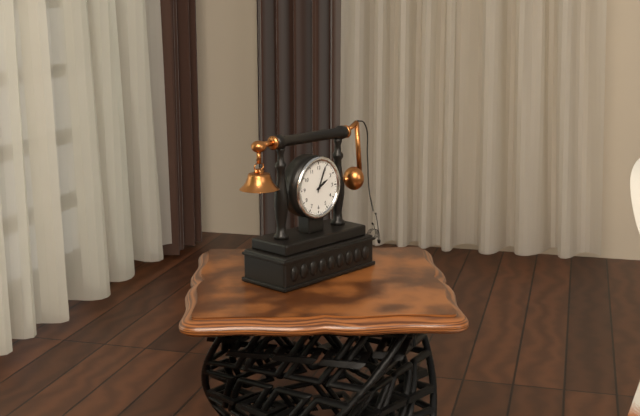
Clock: 2:04
